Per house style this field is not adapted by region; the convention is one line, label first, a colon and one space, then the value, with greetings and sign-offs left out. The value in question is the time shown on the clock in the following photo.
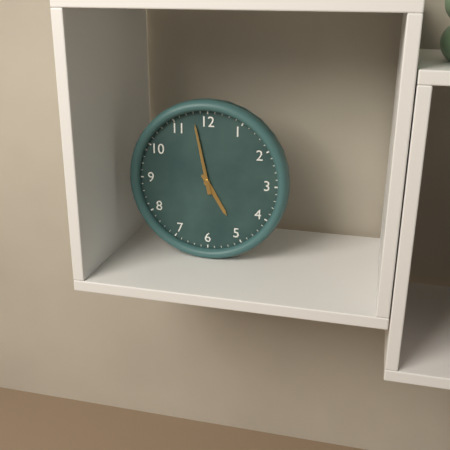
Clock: 4:58
